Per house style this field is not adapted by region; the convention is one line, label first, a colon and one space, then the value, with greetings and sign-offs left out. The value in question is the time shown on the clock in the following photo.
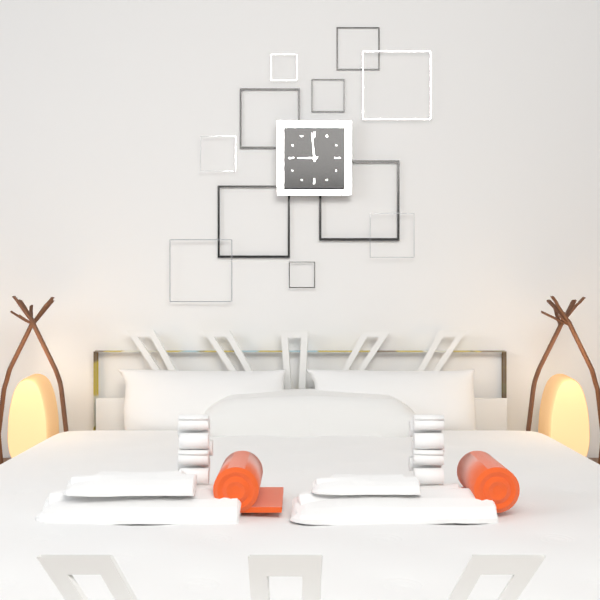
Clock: 8:59
